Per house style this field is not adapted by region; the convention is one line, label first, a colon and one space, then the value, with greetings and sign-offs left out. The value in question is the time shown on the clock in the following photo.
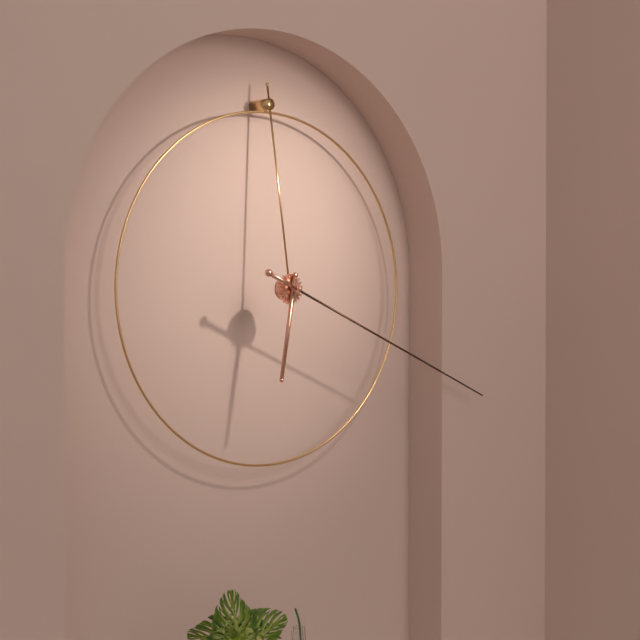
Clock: 6:19
